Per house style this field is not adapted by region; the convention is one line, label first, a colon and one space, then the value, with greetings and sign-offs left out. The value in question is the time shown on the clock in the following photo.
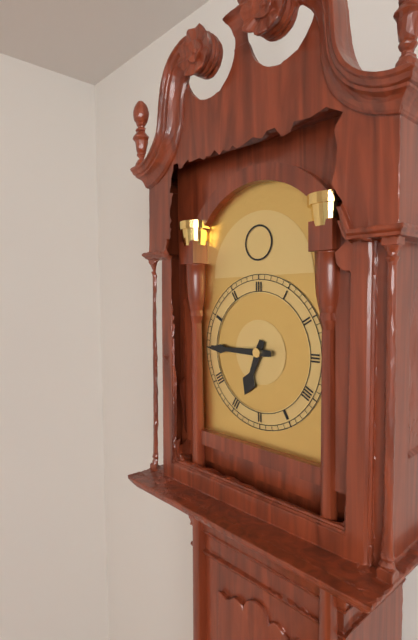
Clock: 6:45
